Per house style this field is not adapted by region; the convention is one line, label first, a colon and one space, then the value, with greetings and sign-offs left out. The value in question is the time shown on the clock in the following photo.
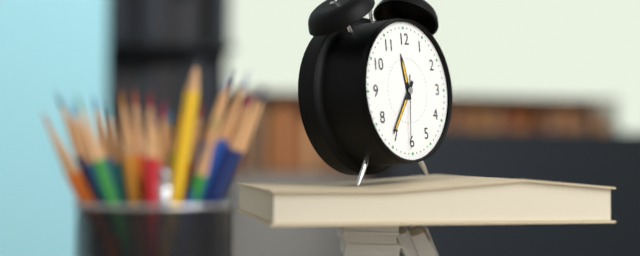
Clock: 11:36:31
